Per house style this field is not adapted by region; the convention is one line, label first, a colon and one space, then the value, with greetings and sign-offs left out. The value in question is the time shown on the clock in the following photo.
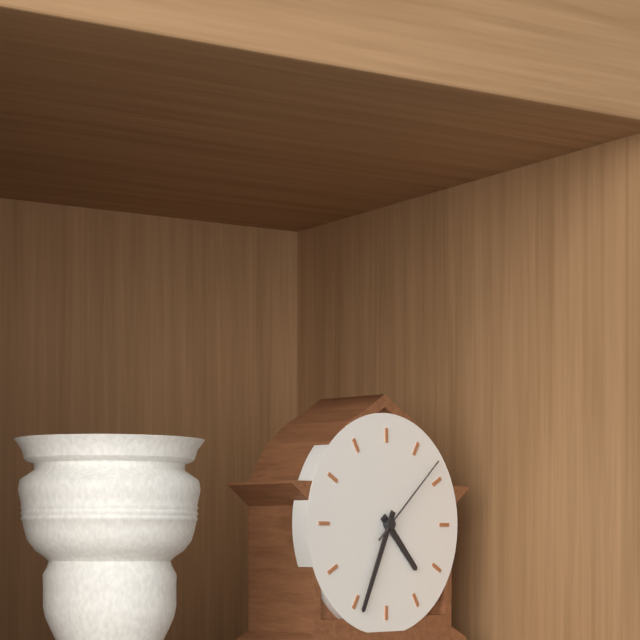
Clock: 4:34:08
